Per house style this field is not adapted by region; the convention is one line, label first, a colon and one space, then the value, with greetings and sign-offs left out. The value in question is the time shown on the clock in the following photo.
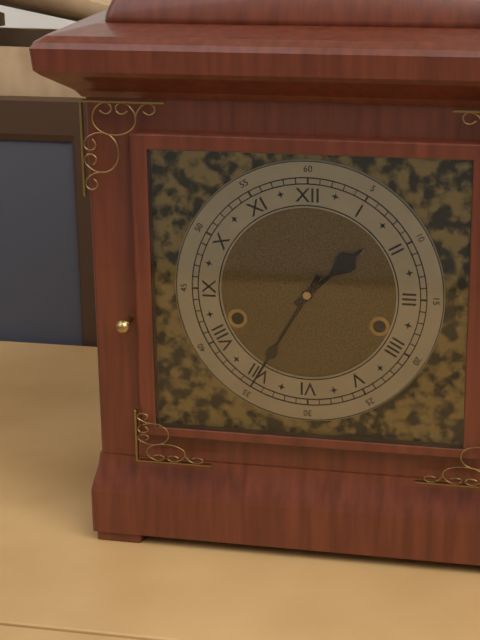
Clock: 1:35
